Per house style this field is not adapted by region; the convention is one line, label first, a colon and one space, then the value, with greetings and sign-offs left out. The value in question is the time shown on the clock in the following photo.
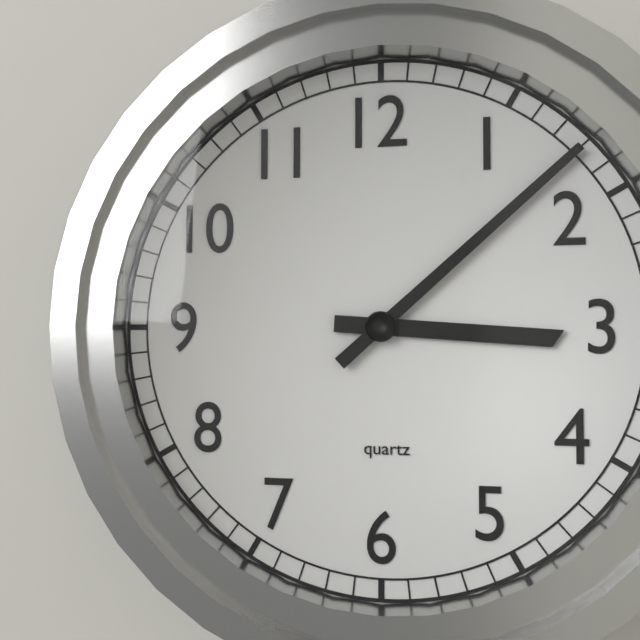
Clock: 3:08
